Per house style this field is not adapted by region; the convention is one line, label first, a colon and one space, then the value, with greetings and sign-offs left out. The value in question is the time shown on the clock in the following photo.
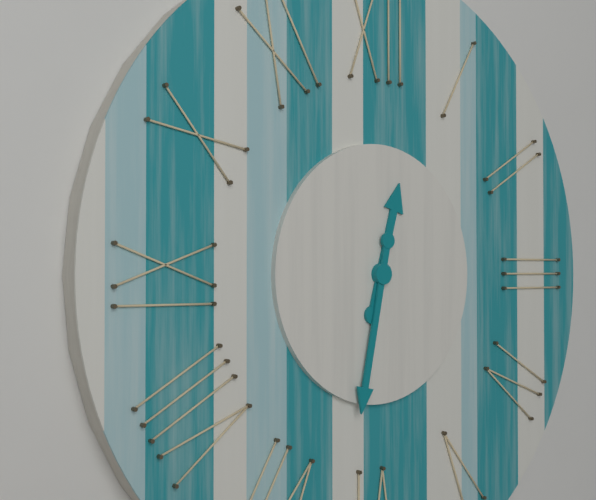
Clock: 12:32
